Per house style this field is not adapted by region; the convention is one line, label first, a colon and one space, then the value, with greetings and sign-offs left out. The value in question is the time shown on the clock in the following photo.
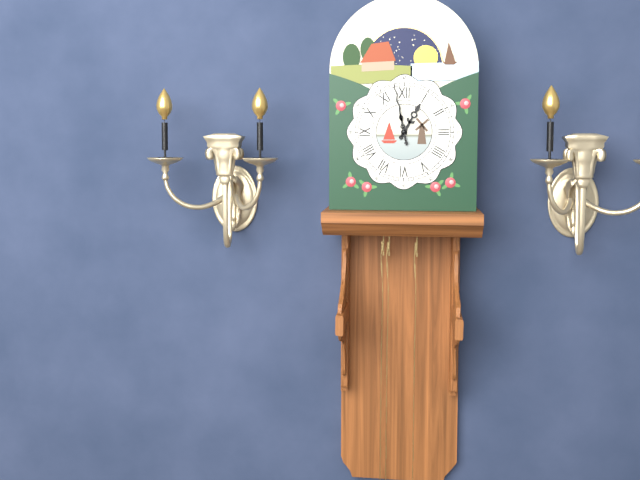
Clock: 12:58
